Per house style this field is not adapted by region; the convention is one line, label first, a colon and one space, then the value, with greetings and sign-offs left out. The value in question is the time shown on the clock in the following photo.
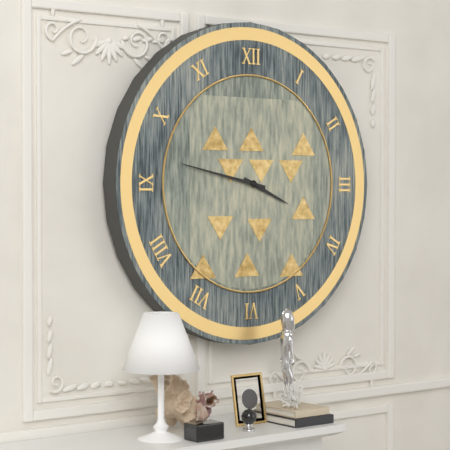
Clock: 3:47
